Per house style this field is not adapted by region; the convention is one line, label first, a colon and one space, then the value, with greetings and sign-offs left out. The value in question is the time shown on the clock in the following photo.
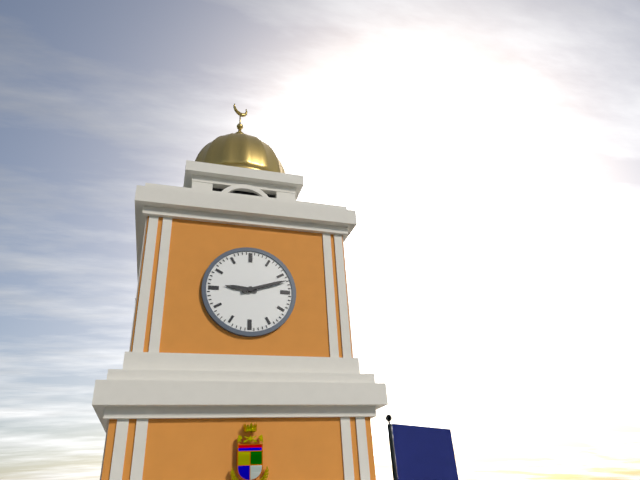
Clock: 9:12
